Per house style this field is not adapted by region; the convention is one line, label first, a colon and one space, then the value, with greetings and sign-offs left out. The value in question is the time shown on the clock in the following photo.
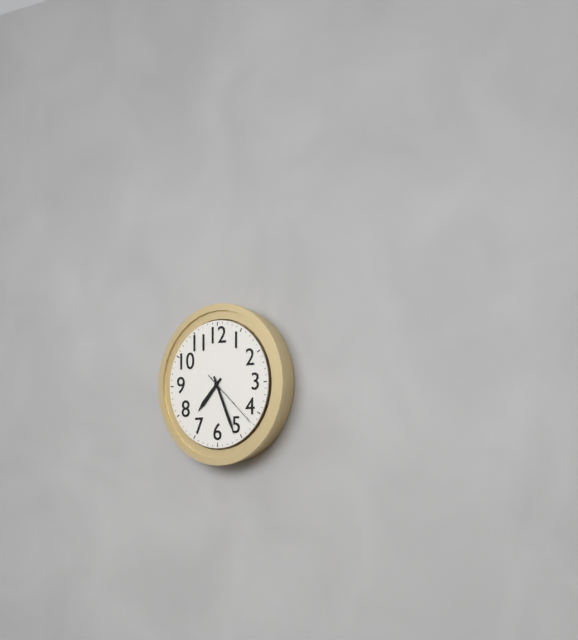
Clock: 7:26:22
